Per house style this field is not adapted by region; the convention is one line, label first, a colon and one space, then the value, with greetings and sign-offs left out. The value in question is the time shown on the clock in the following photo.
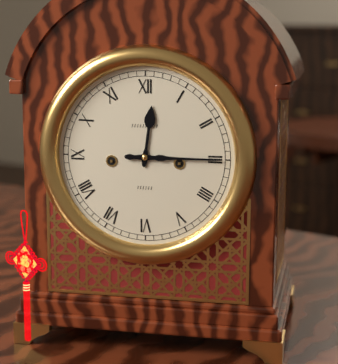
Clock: 12:15
